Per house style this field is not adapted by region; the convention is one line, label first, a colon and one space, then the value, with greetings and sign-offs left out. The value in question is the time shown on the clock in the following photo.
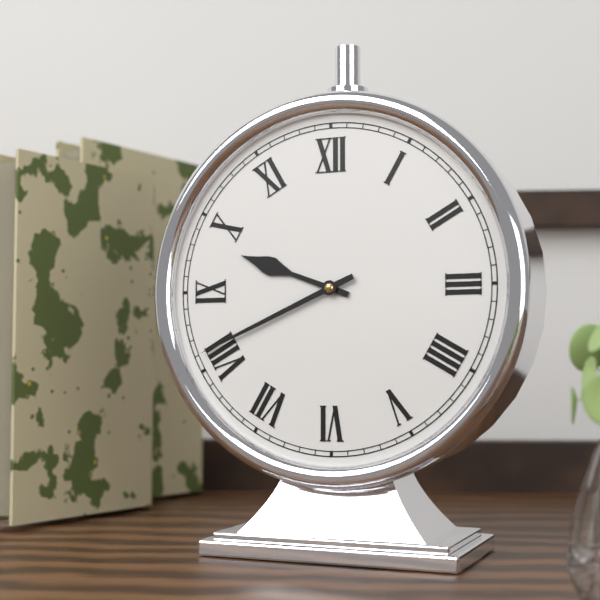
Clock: 9:41
